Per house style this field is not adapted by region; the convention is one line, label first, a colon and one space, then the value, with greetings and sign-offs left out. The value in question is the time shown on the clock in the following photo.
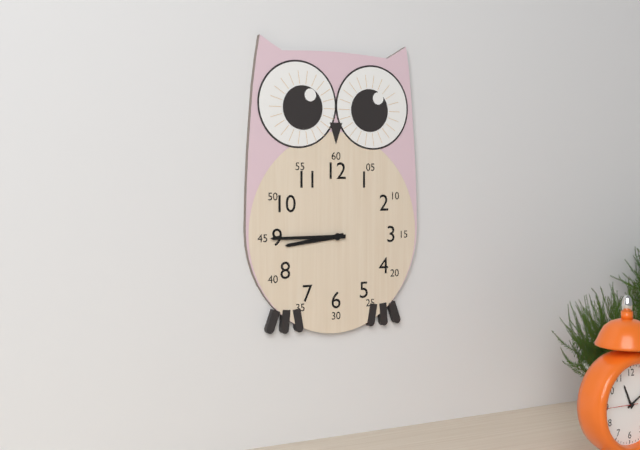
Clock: 8:45
